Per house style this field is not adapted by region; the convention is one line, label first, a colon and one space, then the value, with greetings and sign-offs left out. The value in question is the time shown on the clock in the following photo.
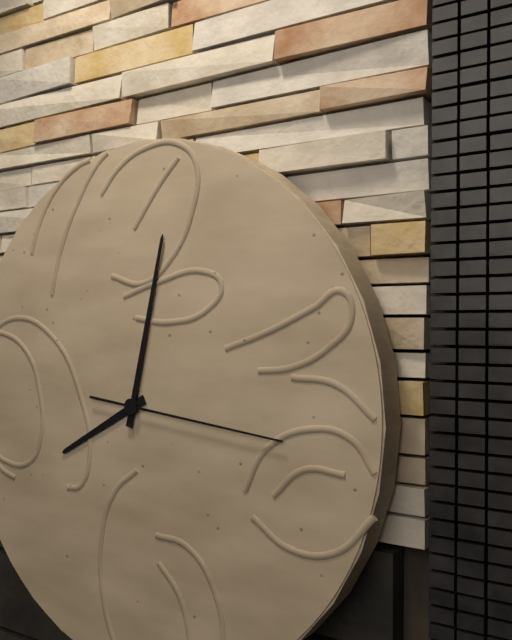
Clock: 8:02:16
